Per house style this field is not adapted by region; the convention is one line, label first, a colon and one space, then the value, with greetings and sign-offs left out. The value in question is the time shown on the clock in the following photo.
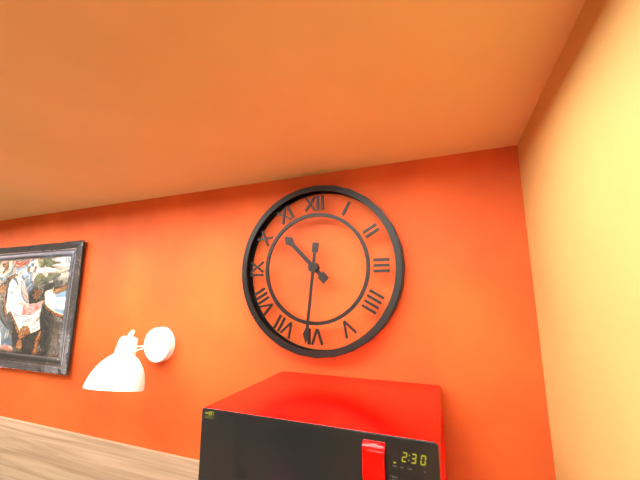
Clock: 10:31
